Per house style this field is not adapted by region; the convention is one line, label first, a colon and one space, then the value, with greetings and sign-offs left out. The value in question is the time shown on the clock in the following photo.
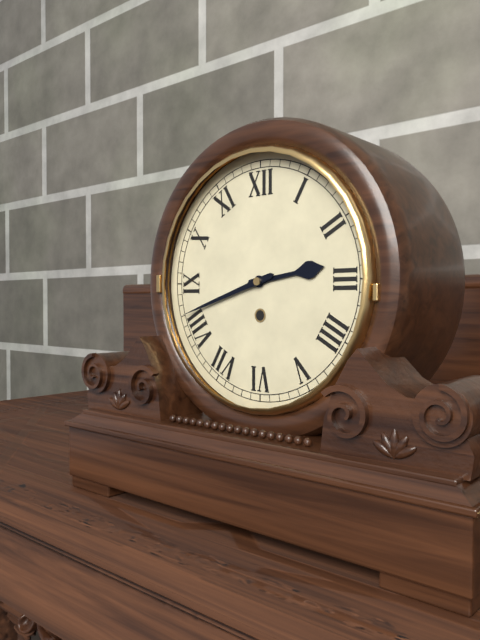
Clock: 2:42
